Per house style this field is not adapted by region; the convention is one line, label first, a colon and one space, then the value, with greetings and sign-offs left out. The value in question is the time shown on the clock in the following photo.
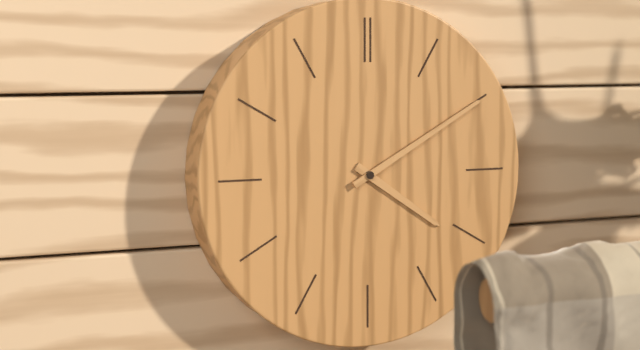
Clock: 4:10
